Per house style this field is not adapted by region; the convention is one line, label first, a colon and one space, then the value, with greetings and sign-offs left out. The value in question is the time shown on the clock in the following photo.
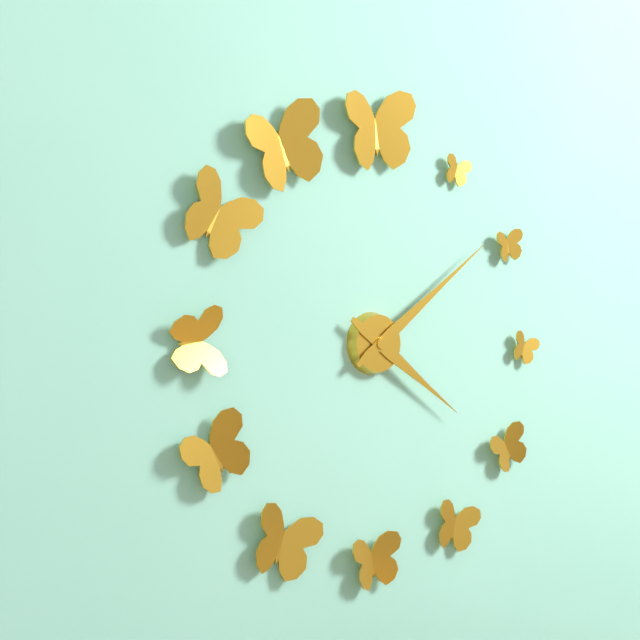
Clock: 4:09
